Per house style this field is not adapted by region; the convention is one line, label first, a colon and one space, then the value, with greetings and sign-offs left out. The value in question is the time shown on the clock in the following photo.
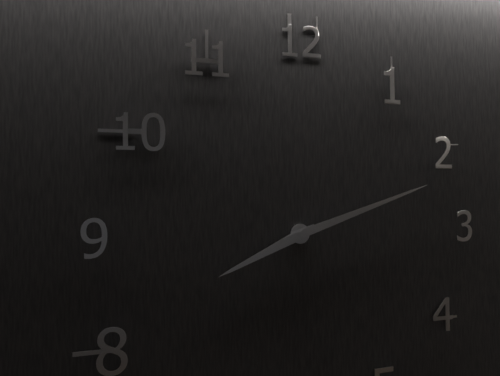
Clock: 8:12
